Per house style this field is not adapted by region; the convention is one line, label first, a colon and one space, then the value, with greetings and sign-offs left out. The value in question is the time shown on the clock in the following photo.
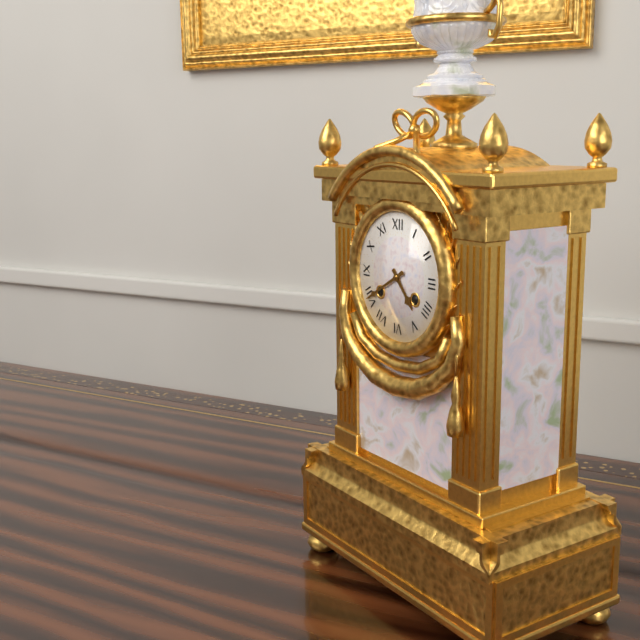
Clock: 4:40
